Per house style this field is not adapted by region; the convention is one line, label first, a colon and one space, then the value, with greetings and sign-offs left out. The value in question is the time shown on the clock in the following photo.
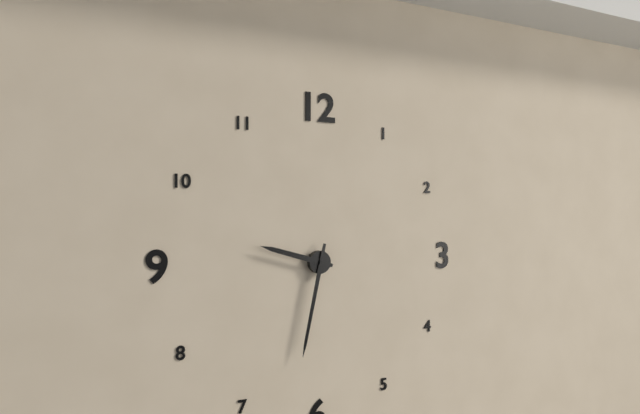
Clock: 9:32
